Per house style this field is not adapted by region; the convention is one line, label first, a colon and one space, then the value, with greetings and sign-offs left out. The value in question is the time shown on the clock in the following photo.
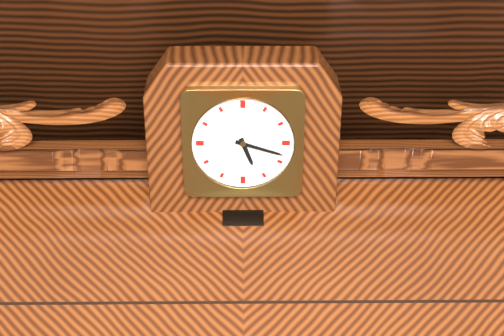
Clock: 5:18
